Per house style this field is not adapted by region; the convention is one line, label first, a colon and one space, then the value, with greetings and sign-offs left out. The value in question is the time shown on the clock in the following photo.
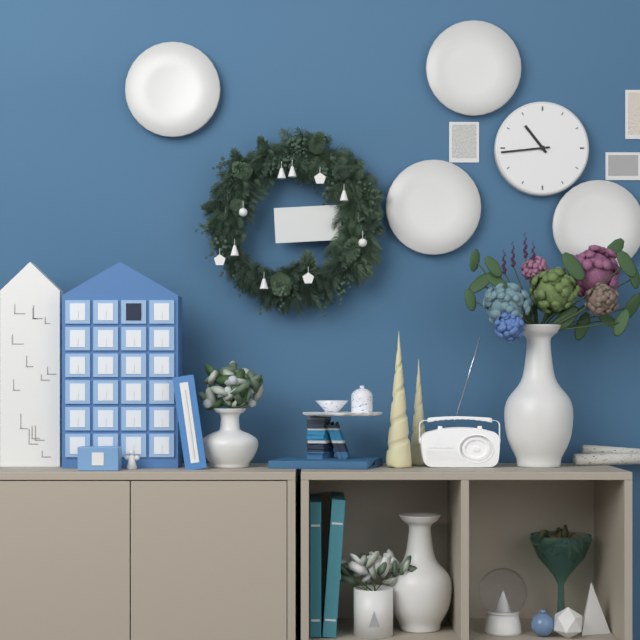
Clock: 10:44
